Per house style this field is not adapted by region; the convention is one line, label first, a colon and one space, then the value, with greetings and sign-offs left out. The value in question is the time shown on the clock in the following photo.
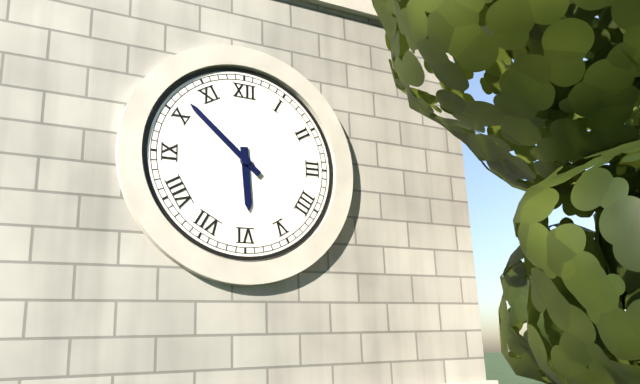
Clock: 5:52
